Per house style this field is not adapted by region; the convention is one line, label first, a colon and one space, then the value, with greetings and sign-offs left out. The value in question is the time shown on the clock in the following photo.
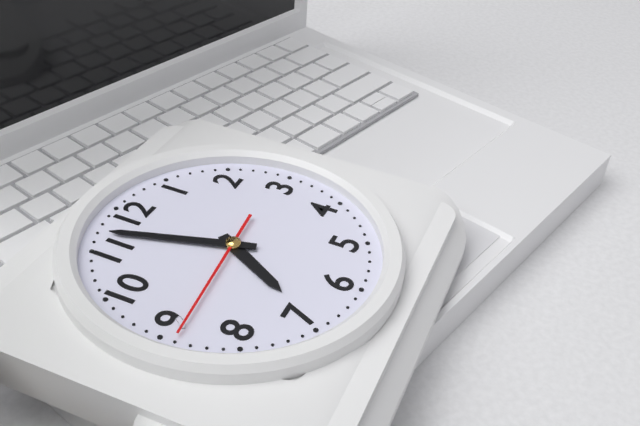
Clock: 6:57:44
